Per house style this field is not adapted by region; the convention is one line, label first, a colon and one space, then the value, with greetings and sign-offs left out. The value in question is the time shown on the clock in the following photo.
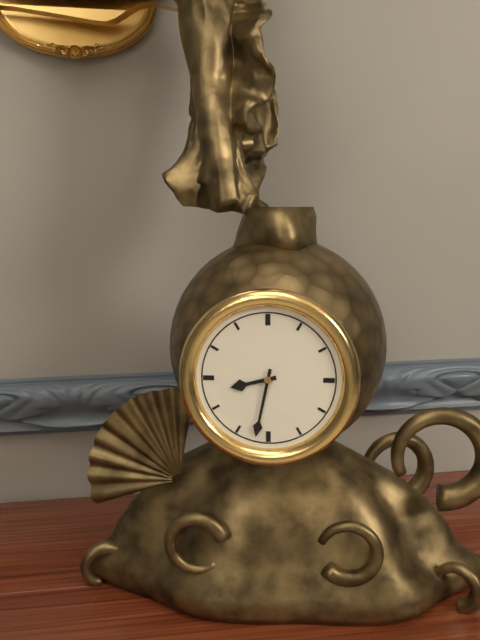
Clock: 8:32
